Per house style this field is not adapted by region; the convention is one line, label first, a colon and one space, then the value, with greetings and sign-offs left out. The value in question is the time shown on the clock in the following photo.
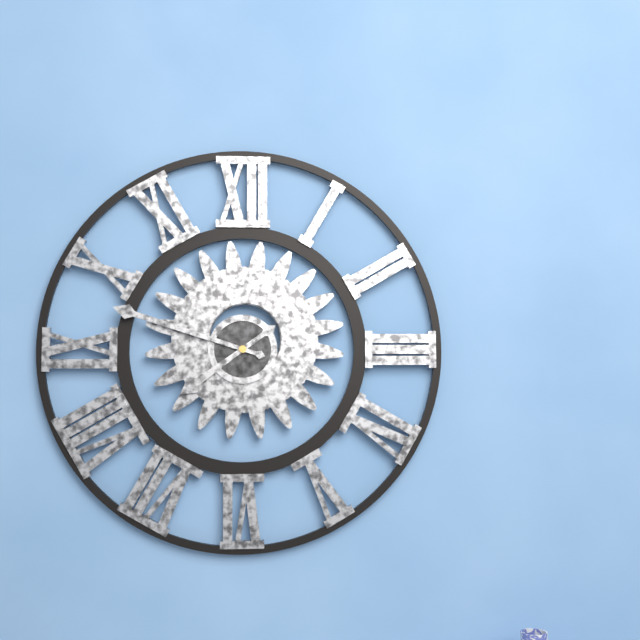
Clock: 7:48
